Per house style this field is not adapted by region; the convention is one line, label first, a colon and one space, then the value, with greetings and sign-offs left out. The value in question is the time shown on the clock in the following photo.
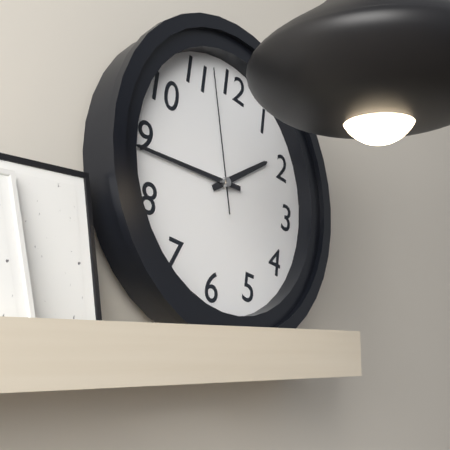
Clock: 1:44:57
